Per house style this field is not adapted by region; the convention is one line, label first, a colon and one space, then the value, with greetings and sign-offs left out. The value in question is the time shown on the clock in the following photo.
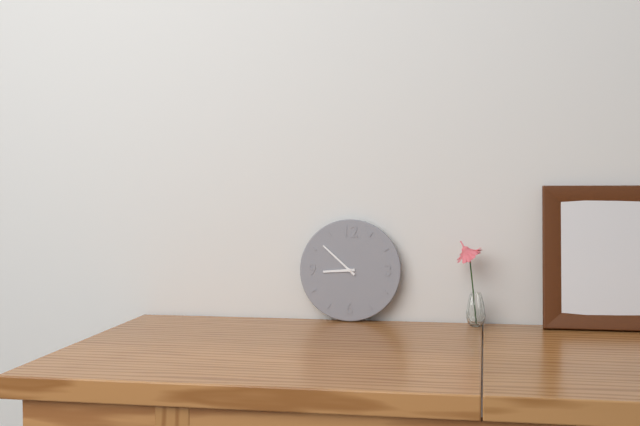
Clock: 8:52
